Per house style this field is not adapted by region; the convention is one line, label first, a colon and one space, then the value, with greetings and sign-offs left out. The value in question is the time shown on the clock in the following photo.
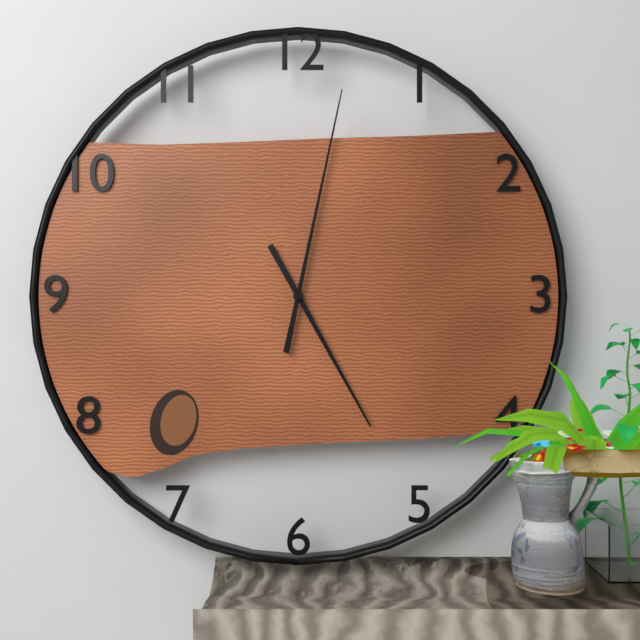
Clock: 5:02
